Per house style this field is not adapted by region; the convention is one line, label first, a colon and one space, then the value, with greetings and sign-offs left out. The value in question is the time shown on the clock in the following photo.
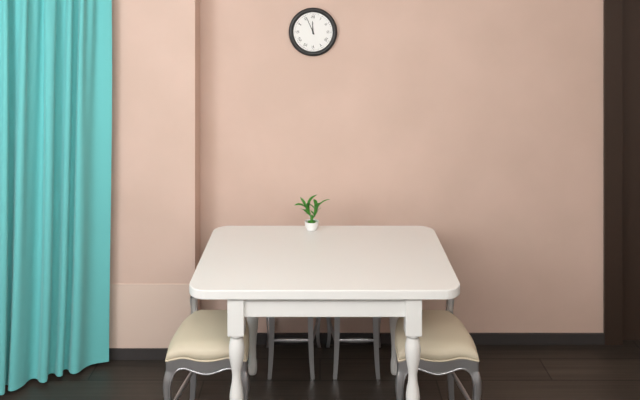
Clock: 11:56
